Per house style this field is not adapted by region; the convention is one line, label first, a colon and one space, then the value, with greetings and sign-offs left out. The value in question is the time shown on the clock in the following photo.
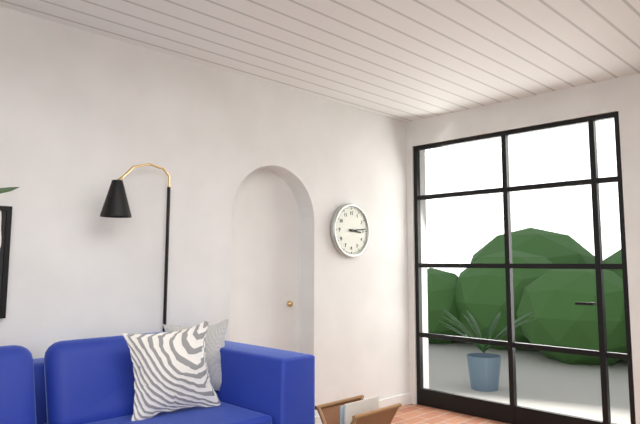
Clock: 3:14
